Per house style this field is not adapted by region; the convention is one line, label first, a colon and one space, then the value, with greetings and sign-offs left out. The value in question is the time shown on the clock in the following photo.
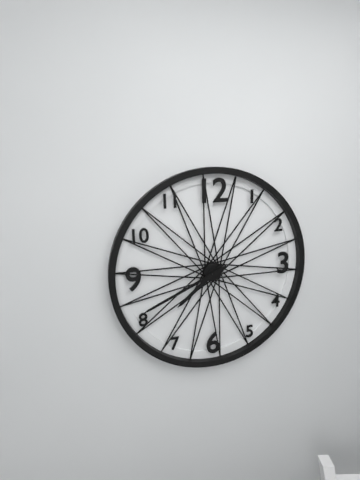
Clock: 7:41
